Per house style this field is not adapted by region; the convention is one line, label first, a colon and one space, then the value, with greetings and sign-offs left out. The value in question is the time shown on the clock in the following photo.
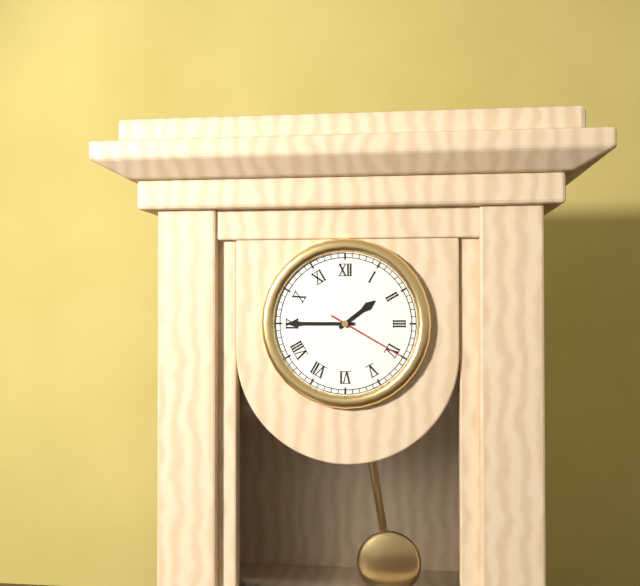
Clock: 1:45:20
